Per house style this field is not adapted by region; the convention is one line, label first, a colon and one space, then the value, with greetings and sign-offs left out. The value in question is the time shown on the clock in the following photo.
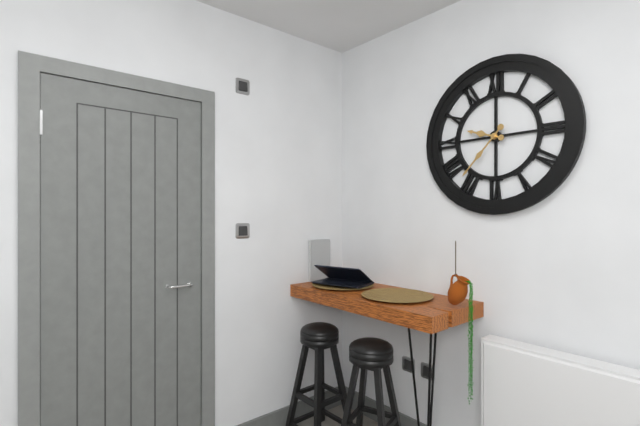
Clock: 9:37
